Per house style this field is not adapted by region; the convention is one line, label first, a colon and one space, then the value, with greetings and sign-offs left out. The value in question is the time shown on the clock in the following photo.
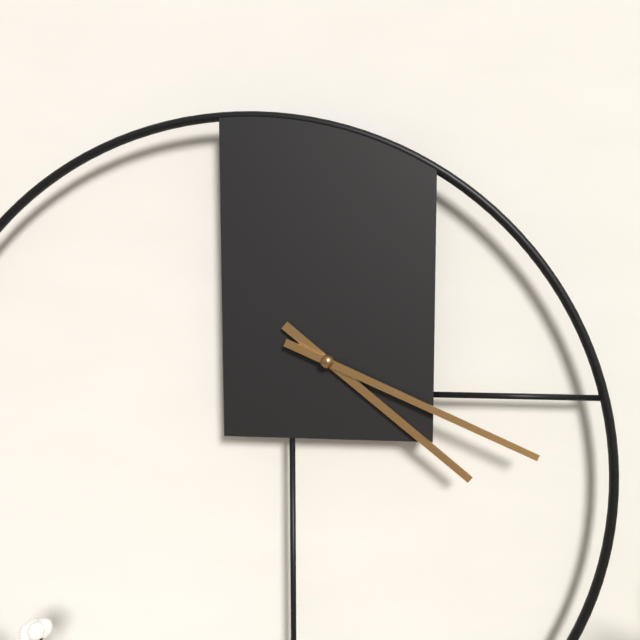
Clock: 4:19
